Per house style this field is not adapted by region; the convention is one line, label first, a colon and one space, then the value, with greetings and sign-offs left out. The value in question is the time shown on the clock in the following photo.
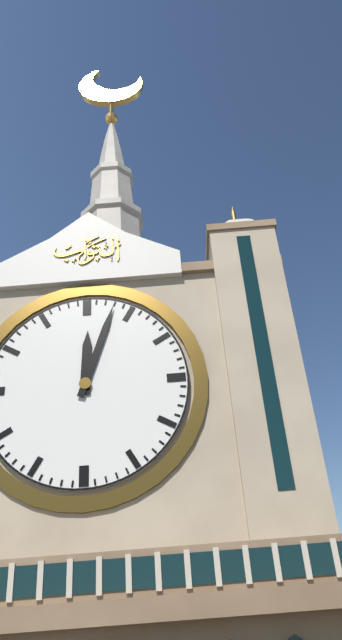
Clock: 12:03
